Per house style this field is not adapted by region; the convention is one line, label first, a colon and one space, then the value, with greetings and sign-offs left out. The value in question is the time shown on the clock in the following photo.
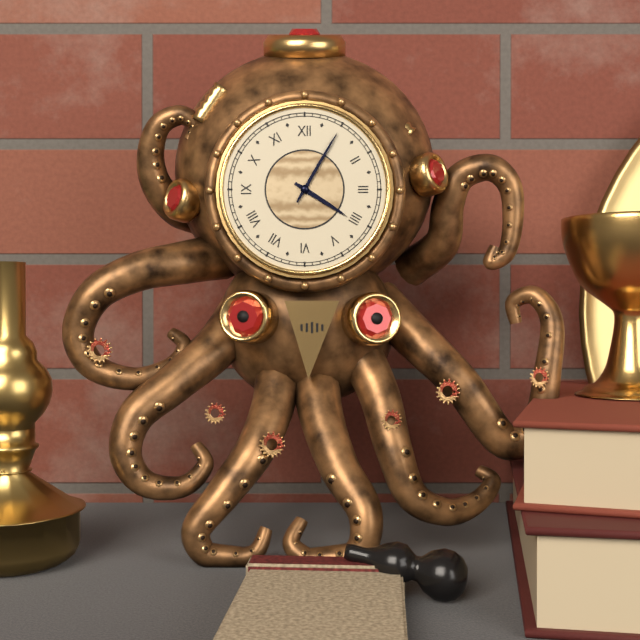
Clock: 4:05
